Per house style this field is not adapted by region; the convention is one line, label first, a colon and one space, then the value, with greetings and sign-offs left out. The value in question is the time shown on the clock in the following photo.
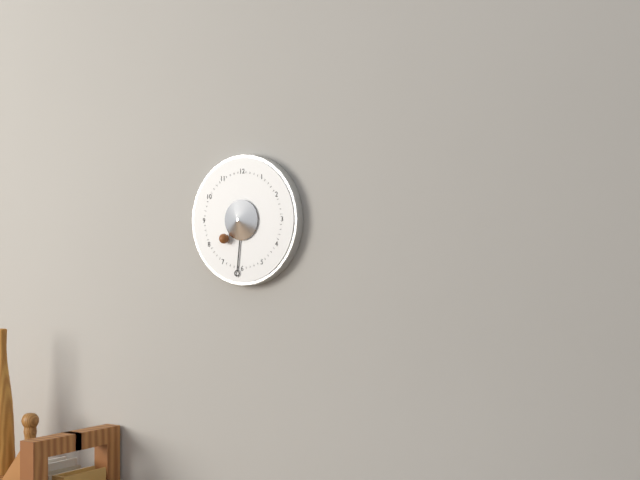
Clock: 7:31
